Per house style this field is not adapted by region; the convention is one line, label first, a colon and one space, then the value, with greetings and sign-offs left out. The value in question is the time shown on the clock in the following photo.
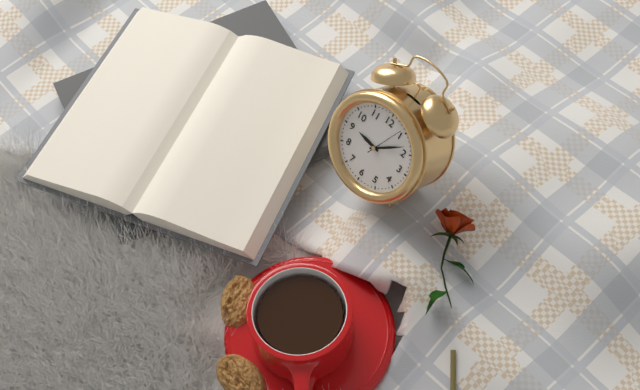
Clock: 9:08
